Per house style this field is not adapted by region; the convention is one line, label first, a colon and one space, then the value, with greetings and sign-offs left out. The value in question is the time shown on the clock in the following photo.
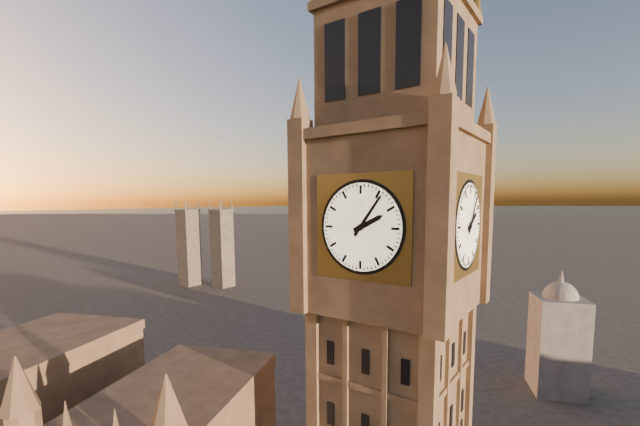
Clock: 2:06
